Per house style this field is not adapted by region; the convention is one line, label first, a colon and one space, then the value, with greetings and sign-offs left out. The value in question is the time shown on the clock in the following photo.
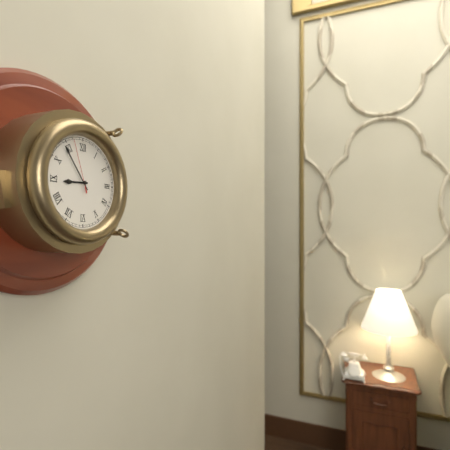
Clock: 8:54:57
